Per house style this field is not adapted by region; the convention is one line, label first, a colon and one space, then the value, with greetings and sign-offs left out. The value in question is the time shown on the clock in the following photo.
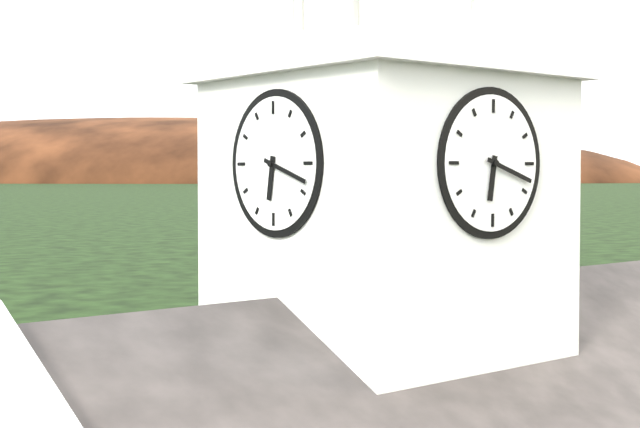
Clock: 6:18
